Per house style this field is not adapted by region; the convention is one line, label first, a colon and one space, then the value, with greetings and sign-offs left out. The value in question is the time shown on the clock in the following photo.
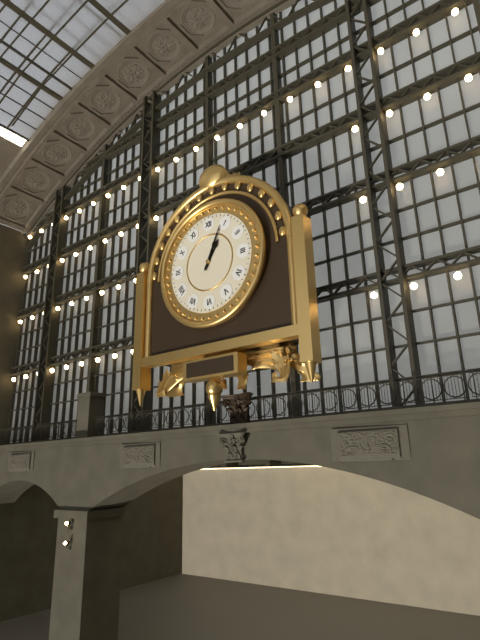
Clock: 1:04
